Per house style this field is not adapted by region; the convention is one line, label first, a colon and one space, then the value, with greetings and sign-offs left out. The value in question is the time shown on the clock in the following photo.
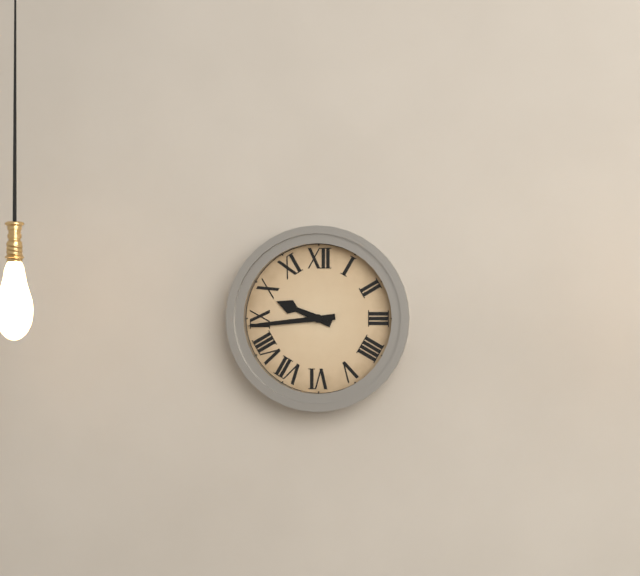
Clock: 9:44
